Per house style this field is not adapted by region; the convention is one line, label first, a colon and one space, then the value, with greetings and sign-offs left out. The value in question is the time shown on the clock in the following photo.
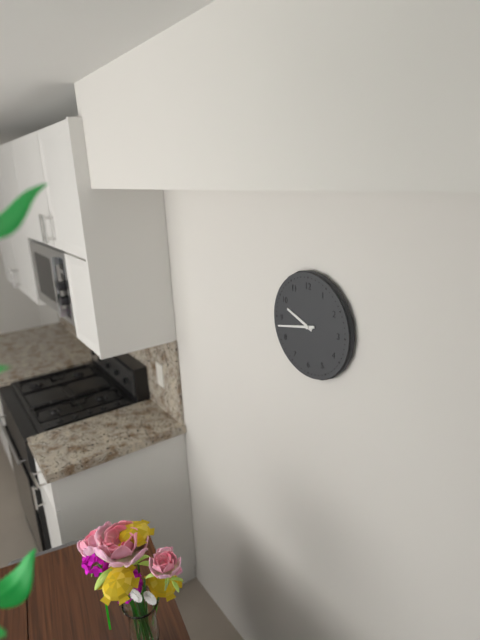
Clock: 9:43
